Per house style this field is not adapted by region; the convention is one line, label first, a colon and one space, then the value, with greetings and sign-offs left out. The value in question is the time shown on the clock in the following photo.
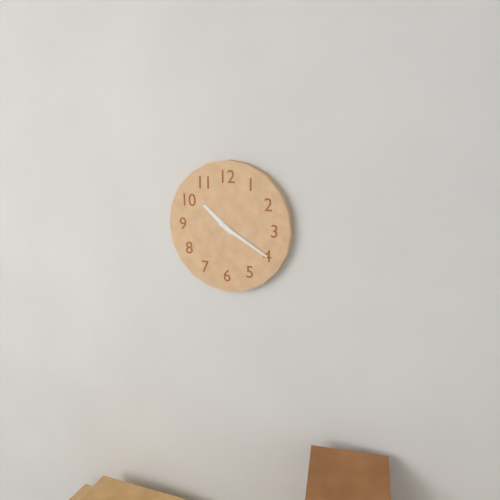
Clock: 10:20
